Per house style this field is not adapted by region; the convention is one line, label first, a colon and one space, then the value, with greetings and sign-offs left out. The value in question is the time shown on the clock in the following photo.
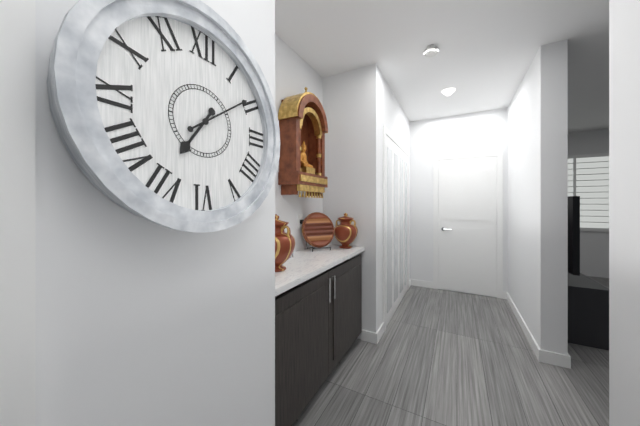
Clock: 7:09
